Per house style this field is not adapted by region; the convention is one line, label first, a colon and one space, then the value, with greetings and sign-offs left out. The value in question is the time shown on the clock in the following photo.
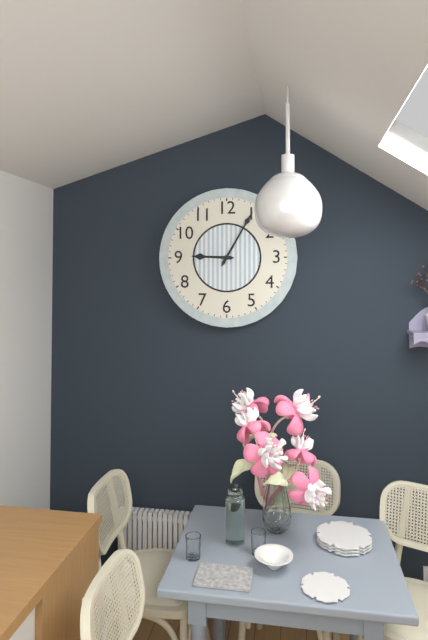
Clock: 9:05
